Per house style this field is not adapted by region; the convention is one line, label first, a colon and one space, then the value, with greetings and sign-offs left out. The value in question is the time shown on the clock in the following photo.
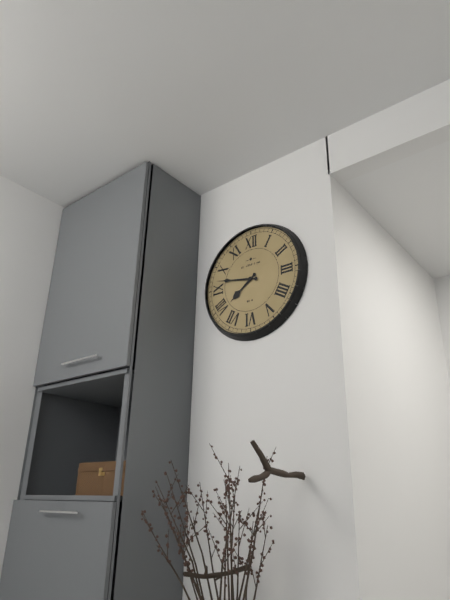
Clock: 7:47
